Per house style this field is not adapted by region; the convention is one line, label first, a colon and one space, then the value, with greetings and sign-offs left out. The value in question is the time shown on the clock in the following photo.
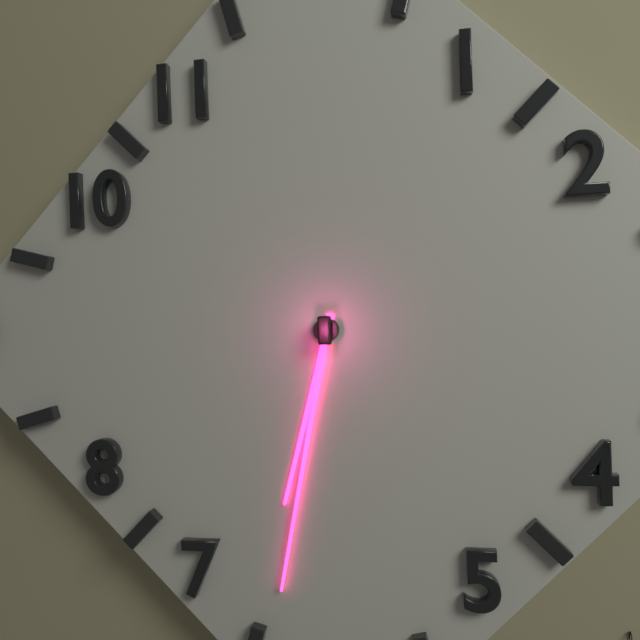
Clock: 6:32
